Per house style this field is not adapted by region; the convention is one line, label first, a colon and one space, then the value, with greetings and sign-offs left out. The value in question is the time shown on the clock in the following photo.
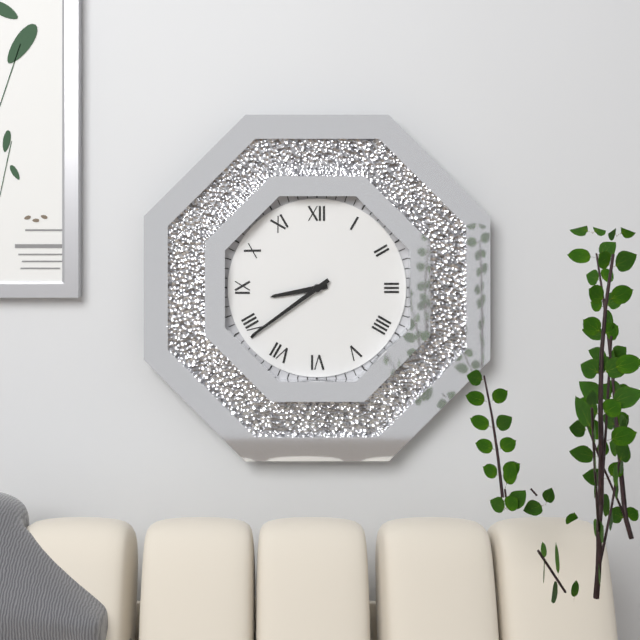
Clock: 8:39
